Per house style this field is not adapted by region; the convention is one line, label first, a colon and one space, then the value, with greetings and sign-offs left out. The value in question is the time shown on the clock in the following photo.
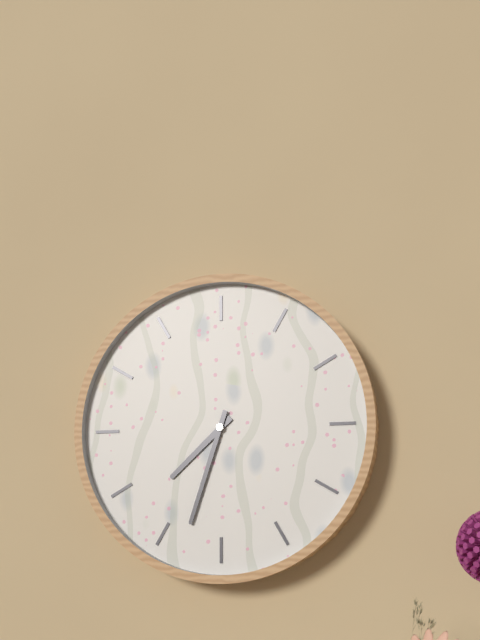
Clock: 7:33
